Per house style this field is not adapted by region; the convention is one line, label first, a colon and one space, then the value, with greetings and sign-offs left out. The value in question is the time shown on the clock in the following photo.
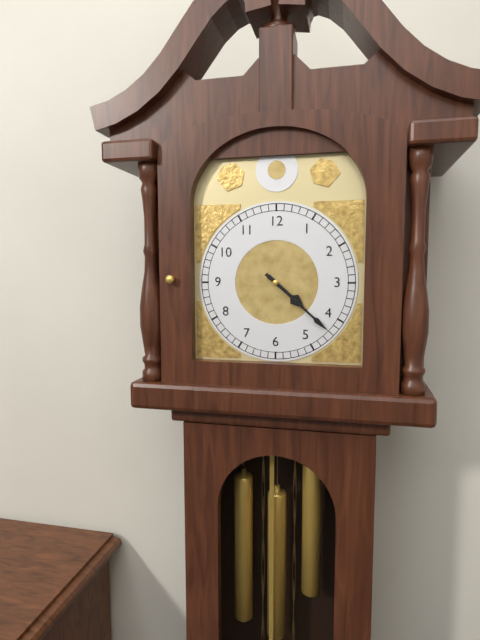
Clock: 4:22
